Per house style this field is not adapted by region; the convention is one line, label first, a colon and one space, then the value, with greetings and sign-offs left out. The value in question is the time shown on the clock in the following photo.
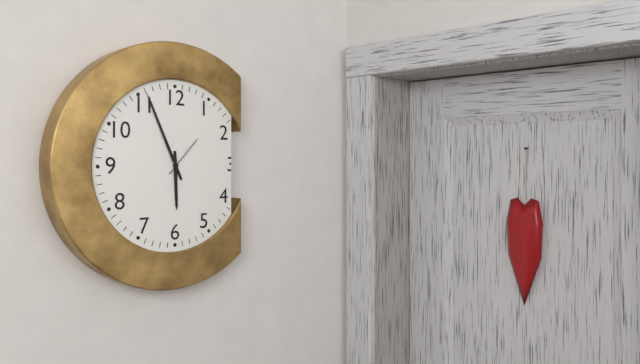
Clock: 5:56
